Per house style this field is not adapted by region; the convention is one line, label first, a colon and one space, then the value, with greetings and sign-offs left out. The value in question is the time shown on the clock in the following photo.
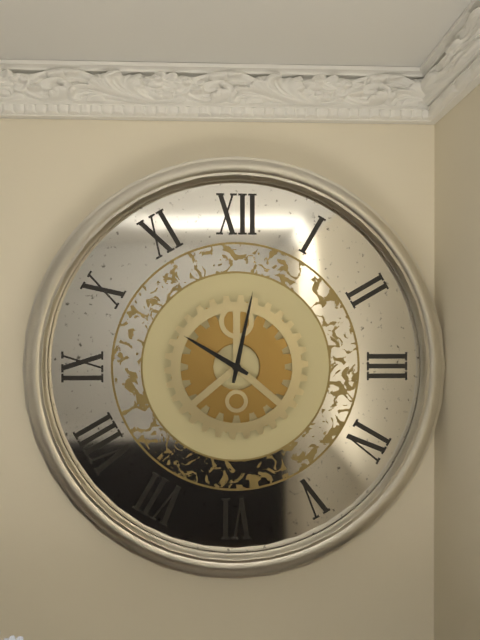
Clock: 10:02
